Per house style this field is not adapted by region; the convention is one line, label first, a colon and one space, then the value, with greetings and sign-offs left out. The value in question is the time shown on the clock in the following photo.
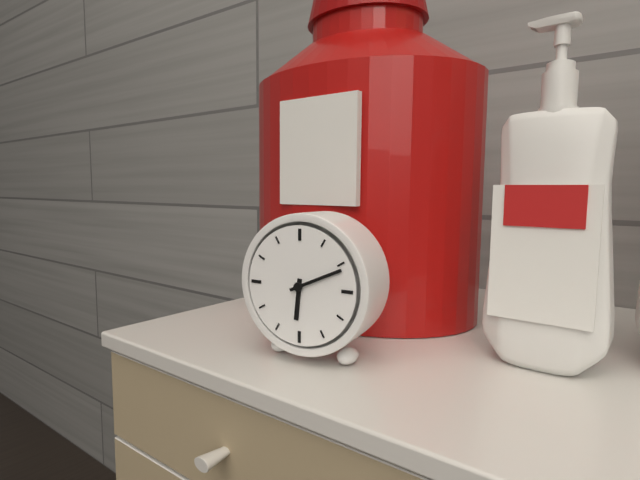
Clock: 6:11
